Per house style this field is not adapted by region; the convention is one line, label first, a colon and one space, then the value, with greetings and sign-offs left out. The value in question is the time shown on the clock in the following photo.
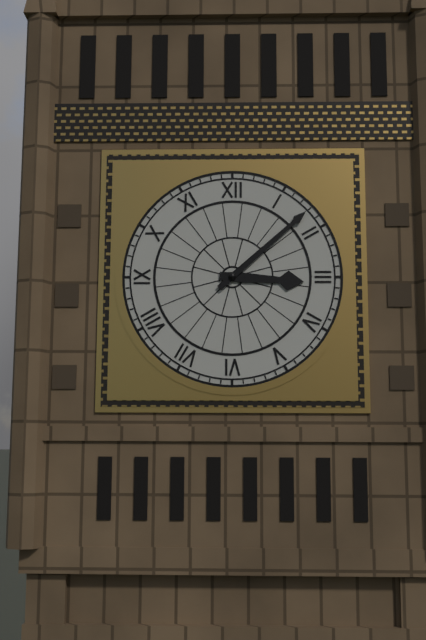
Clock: 3:08
